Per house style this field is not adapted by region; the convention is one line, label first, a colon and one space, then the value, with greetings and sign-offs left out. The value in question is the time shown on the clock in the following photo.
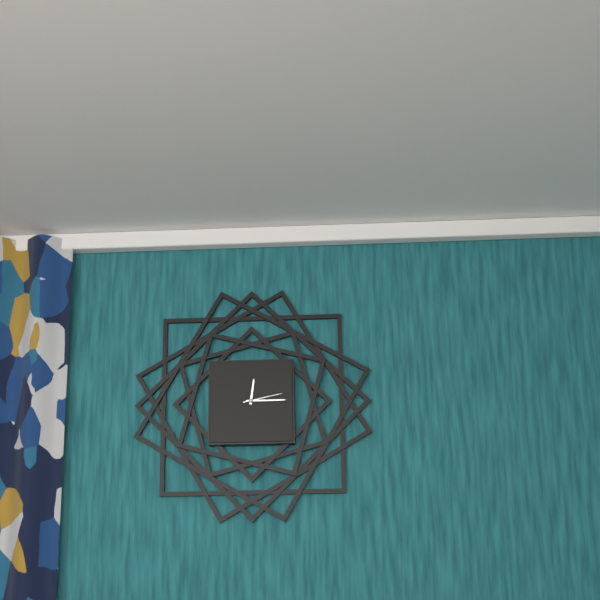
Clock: 12:15
